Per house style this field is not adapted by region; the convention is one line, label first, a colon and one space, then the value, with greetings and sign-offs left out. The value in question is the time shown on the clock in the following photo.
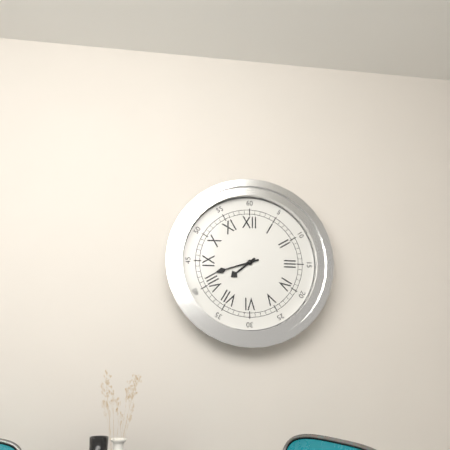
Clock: 7:42
